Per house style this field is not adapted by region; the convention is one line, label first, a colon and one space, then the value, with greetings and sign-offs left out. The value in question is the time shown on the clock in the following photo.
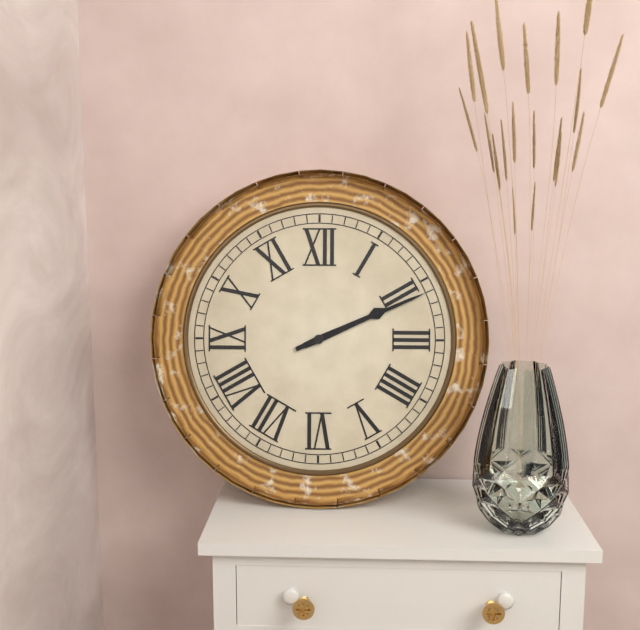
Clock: 2:11
